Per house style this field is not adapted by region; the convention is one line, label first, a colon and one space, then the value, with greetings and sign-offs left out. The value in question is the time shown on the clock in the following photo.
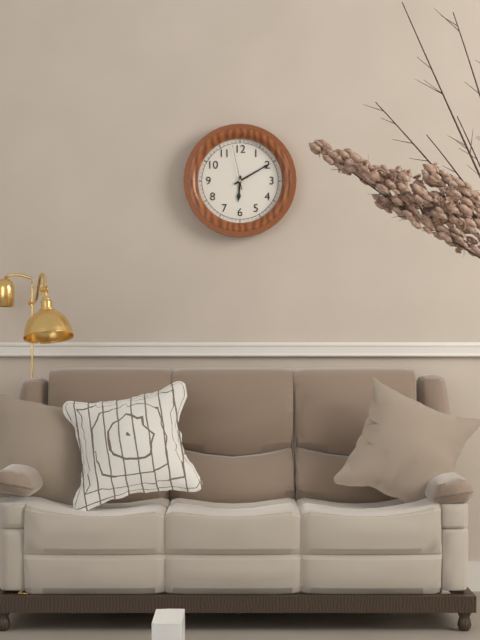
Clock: 6:10
